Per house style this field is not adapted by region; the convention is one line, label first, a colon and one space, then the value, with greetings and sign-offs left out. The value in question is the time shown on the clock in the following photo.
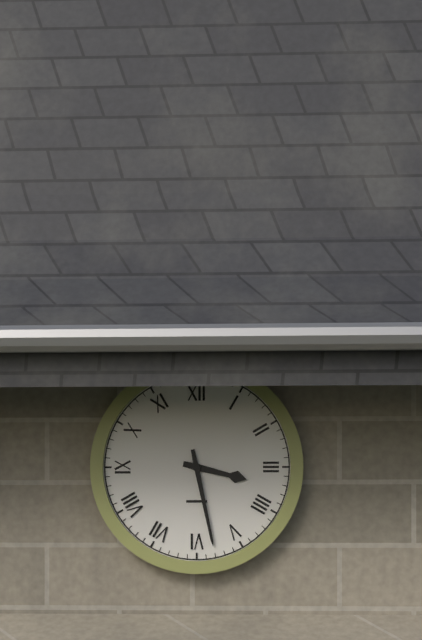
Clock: 3:28
